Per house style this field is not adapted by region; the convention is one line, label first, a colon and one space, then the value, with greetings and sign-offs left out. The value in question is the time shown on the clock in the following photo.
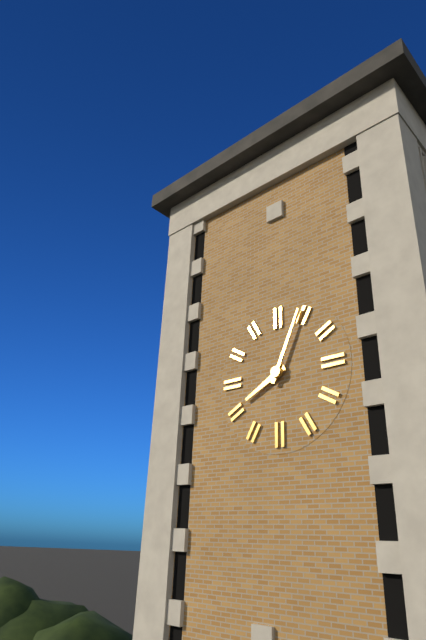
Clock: 8:04
